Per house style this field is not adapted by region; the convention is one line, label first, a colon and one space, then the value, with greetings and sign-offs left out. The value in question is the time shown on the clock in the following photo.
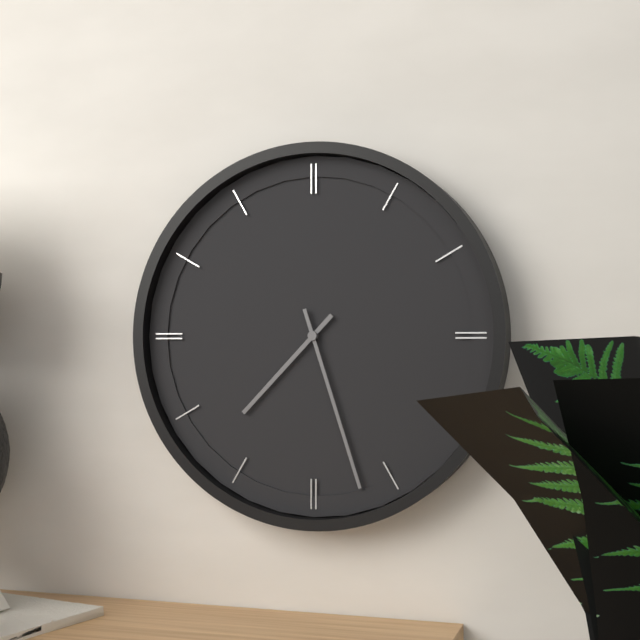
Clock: 7:27
